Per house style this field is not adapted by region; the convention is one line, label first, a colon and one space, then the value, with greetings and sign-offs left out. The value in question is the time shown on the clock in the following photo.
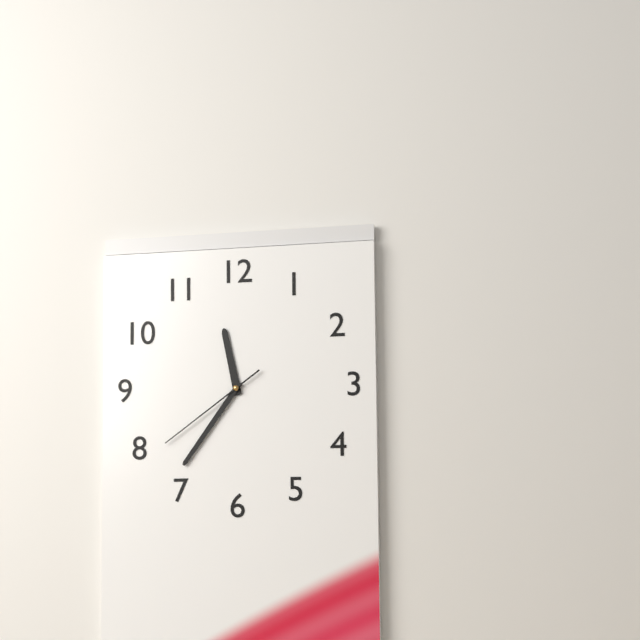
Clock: 11:36:39
